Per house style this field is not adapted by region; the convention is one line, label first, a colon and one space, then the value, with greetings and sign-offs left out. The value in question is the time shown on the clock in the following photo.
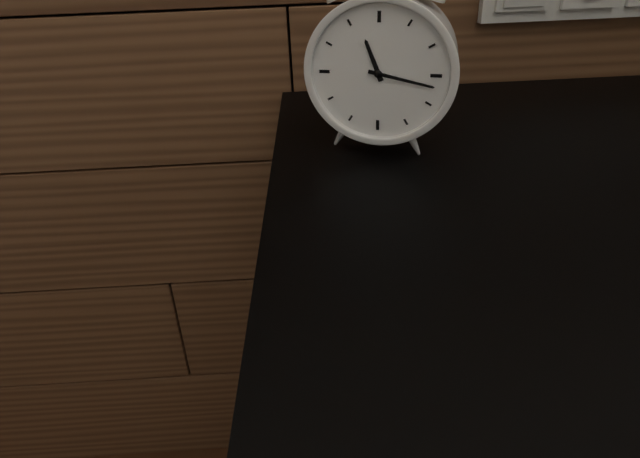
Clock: 11:17
